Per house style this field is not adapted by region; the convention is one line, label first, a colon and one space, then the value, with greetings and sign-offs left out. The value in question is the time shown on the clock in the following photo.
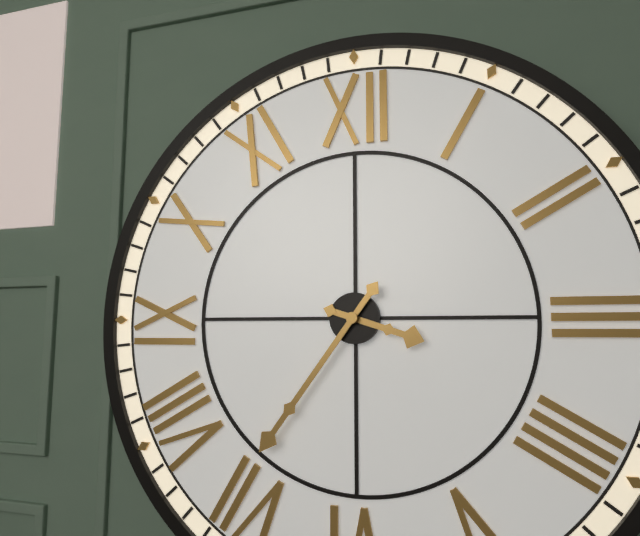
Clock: 3:36
